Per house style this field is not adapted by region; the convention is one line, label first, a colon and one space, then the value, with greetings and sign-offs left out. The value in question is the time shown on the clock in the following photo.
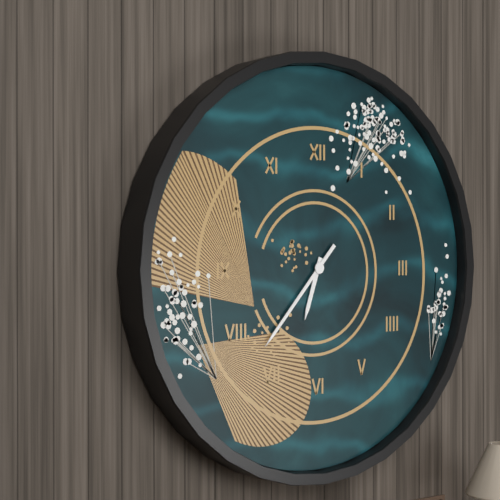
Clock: 6:37
